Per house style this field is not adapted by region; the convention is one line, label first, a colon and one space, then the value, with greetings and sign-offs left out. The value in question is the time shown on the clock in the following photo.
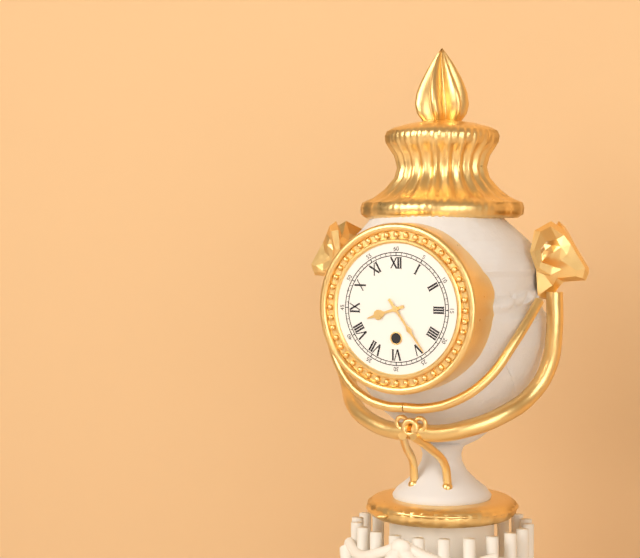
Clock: 8:24
